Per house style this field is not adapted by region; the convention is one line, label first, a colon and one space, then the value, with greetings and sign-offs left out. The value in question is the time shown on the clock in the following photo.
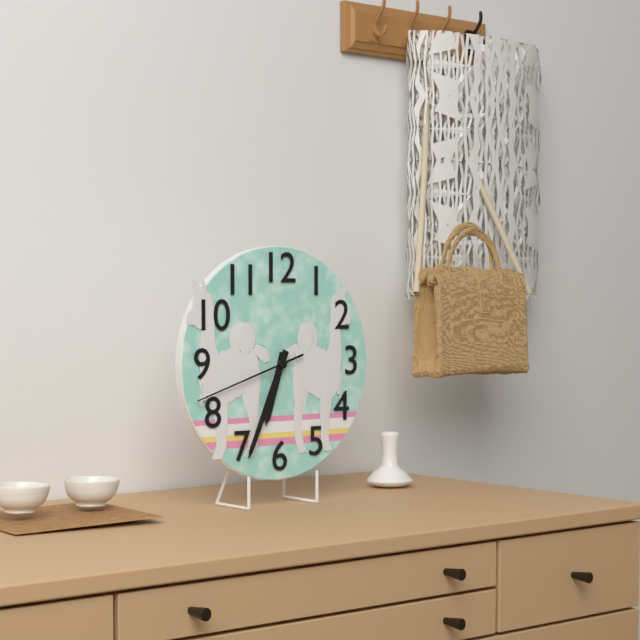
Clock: 6:34:42
